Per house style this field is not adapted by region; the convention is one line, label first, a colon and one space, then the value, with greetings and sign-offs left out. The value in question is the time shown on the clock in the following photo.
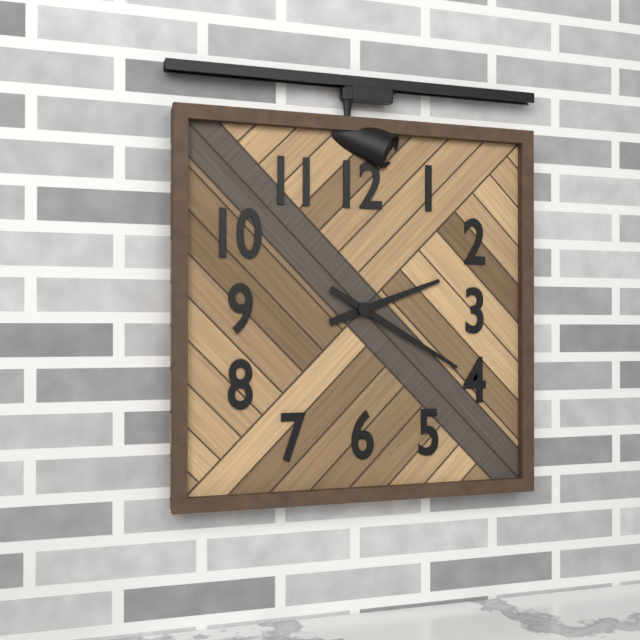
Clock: 2:20
